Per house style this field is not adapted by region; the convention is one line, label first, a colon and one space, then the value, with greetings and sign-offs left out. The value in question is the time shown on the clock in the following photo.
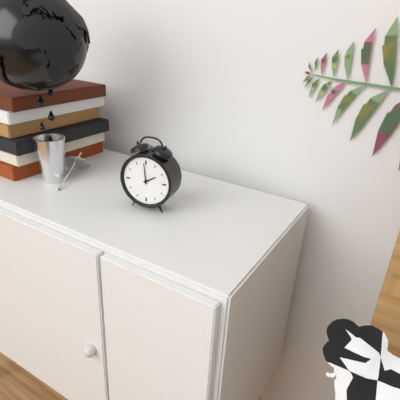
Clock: 1:59
